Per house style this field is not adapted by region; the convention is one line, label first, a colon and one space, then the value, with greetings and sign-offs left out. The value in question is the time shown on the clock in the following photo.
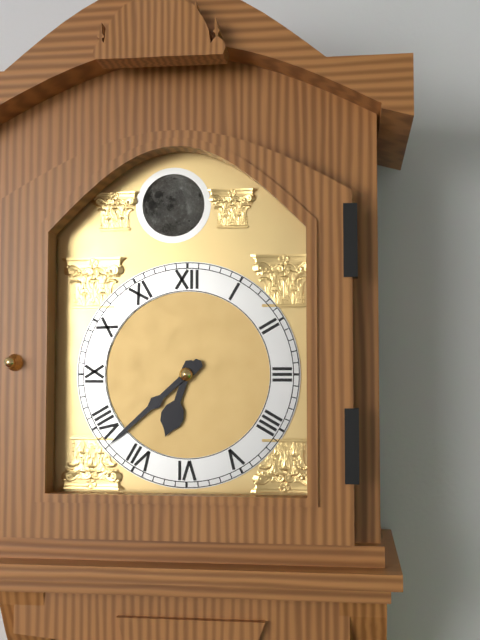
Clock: 6:38
